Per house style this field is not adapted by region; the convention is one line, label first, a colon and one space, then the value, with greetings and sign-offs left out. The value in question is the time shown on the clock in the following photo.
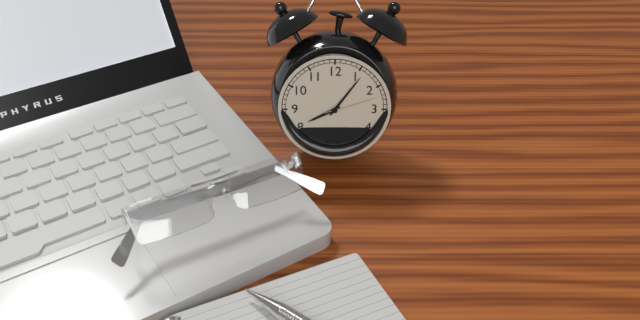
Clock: 8:06:12
